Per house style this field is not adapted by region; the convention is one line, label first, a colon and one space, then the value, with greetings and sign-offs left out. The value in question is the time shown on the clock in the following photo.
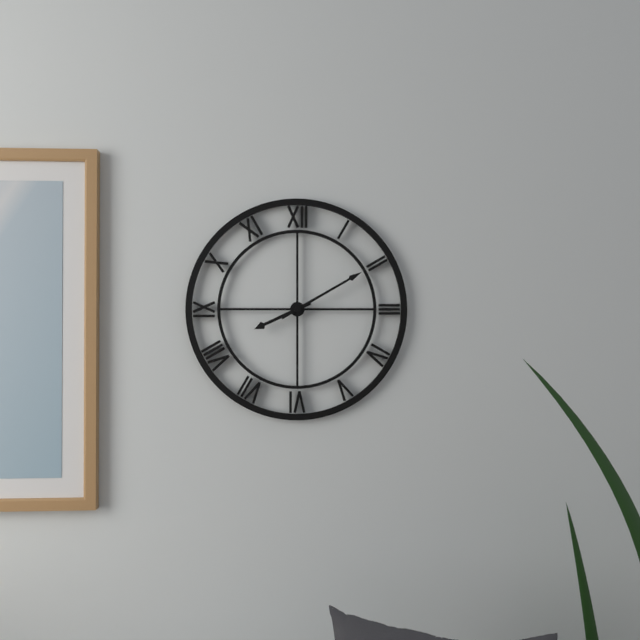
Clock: 8:10
